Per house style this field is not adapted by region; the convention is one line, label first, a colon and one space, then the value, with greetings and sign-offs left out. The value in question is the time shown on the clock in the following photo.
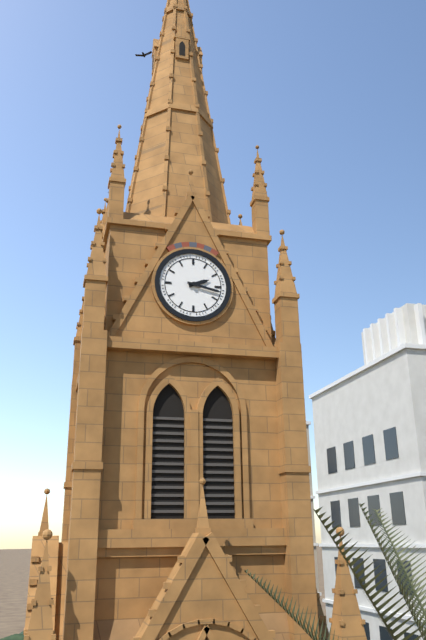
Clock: 2:17
